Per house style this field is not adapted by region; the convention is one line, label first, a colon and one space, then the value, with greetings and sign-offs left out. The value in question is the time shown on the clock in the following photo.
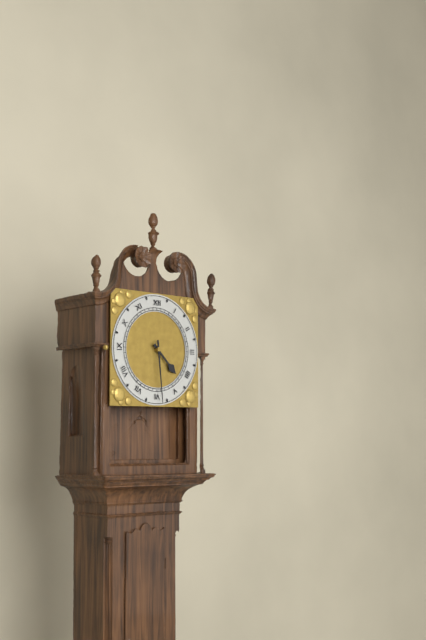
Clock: 4:29
